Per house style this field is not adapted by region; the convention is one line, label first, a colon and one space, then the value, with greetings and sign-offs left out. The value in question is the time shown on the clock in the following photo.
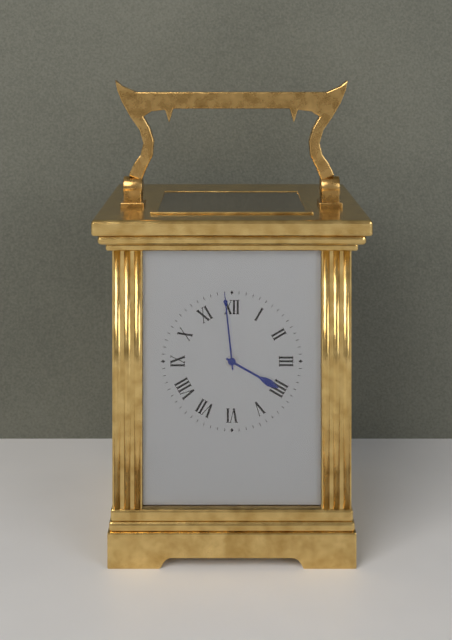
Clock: 3:59
